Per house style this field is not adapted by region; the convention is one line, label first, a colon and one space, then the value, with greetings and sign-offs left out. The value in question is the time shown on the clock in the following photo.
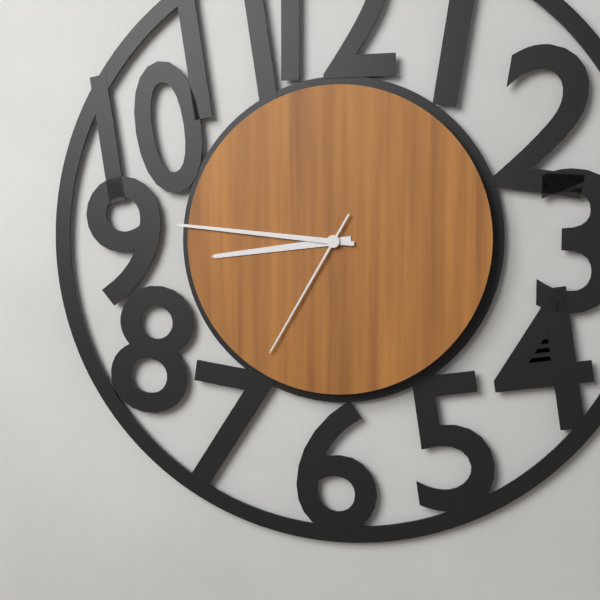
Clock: 8:46:35
